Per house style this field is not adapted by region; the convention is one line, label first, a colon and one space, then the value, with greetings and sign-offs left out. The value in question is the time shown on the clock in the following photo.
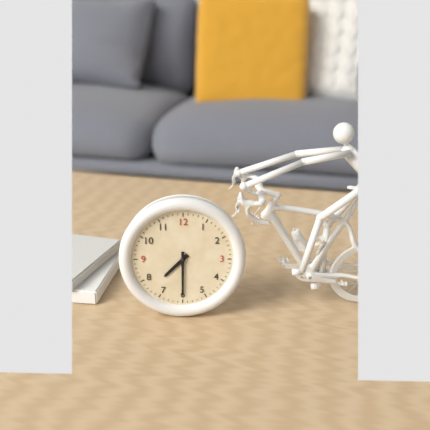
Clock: 7:30
